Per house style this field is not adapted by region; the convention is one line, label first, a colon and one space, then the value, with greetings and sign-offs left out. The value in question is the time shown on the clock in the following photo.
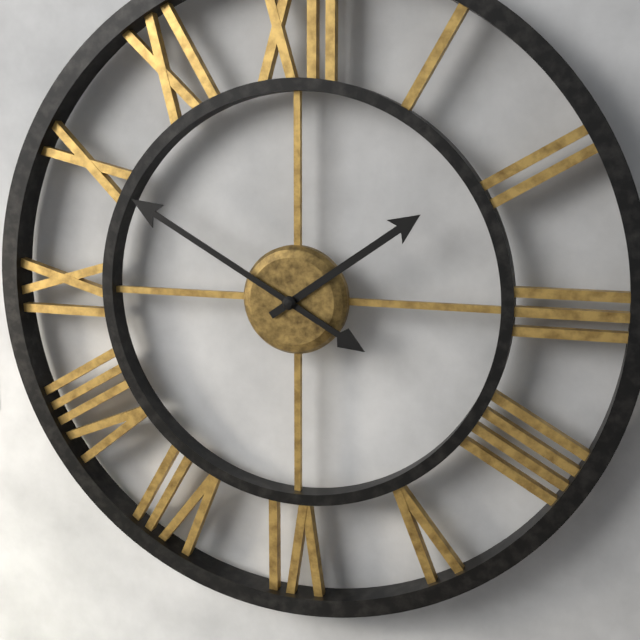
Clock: 1:50
